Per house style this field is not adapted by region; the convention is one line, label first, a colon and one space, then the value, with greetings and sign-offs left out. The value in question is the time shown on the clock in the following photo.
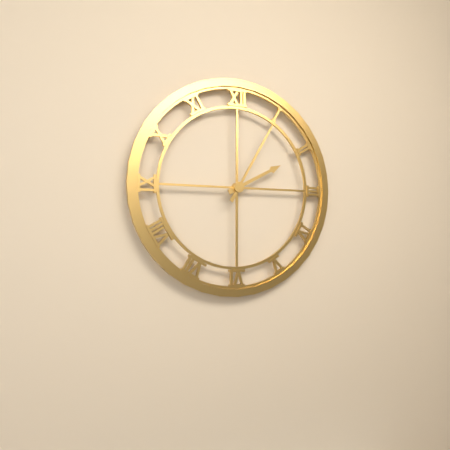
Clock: 2:05
